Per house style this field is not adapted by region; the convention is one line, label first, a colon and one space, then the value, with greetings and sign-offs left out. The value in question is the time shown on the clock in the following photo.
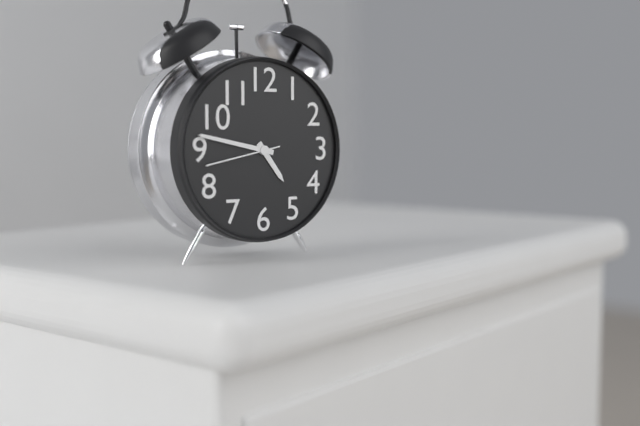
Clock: 4:47:43
